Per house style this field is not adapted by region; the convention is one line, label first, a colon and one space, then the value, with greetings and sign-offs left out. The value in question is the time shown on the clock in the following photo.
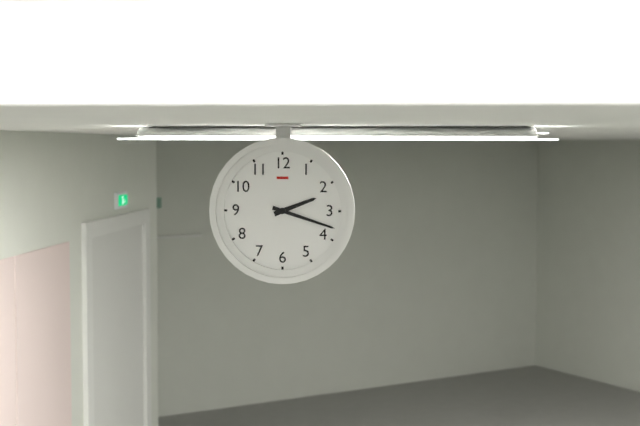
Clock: 2:18
